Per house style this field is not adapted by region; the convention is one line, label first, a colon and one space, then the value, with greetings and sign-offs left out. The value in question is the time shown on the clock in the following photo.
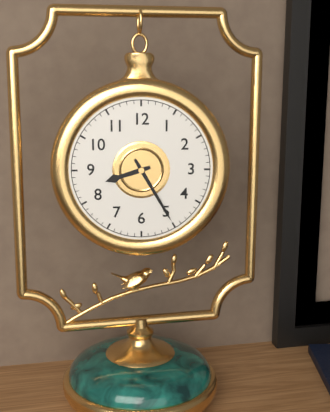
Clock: 8:25
